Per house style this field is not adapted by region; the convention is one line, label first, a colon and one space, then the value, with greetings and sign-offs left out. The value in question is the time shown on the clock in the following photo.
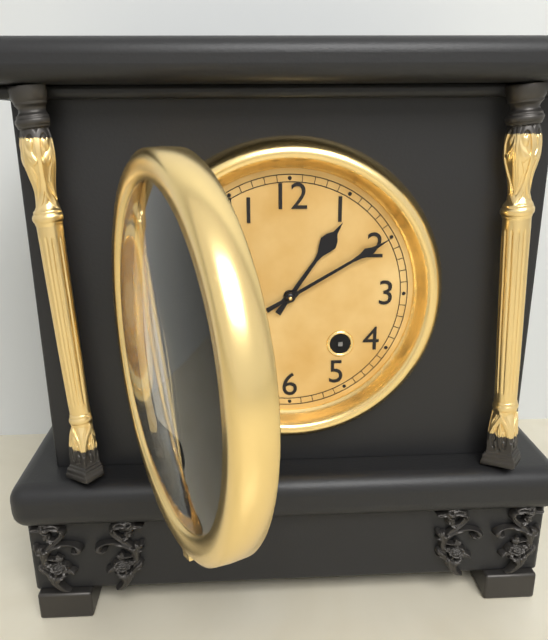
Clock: 1:10
